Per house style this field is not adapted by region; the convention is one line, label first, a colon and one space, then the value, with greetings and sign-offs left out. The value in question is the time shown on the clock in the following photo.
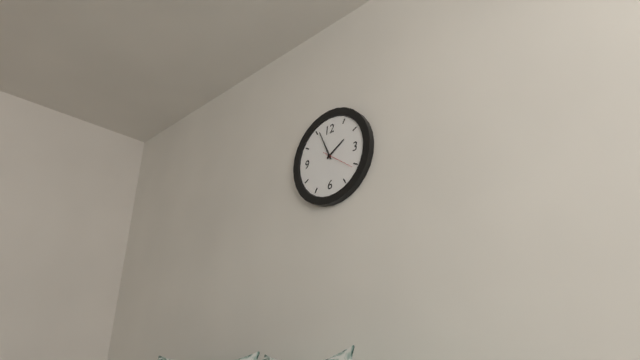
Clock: 1:56
